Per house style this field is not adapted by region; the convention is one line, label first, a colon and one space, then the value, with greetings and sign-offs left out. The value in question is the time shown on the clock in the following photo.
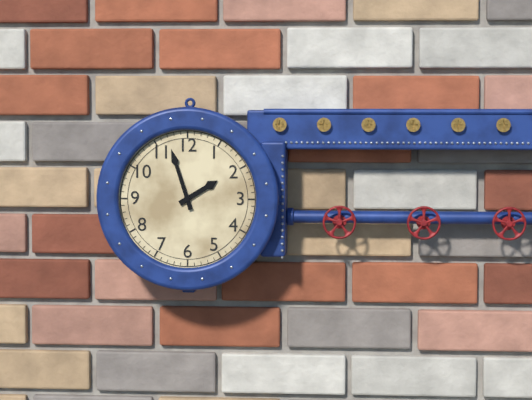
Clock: 1:57
